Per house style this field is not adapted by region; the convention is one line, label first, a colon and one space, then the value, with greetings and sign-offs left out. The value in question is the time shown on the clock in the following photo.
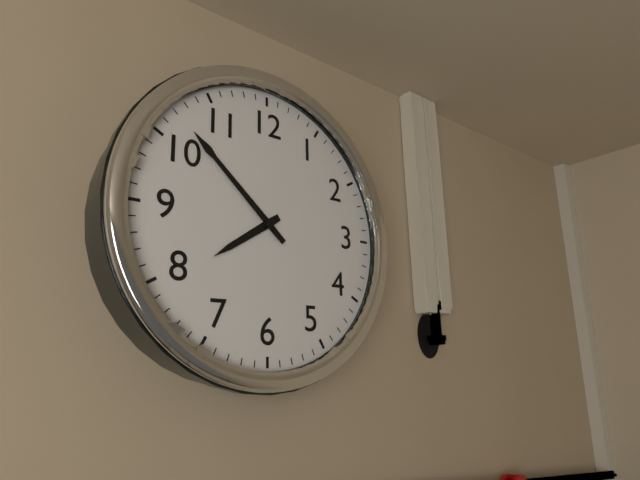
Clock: 7:52
